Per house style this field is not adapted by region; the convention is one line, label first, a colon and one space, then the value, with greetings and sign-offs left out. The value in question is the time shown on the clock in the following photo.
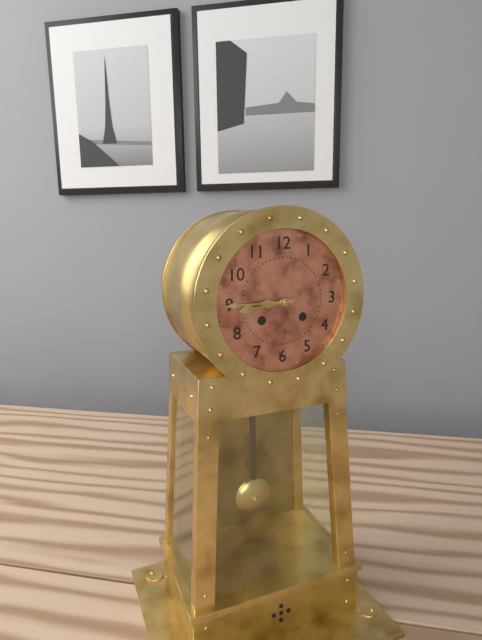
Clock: 8:45
